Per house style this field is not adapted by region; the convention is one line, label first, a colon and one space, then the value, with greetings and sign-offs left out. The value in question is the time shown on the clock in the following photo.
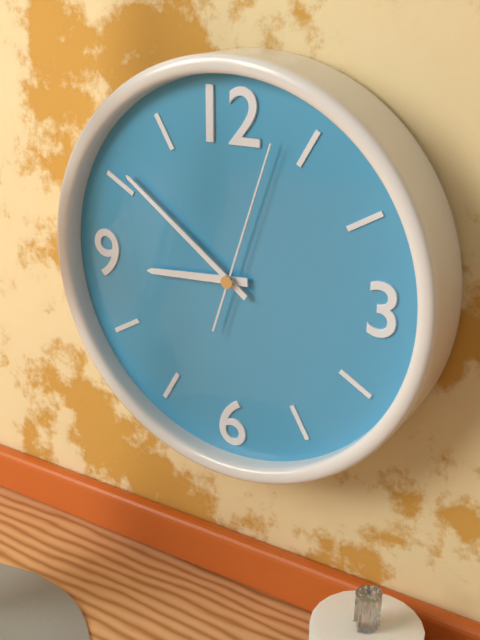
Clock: 8:51:03
